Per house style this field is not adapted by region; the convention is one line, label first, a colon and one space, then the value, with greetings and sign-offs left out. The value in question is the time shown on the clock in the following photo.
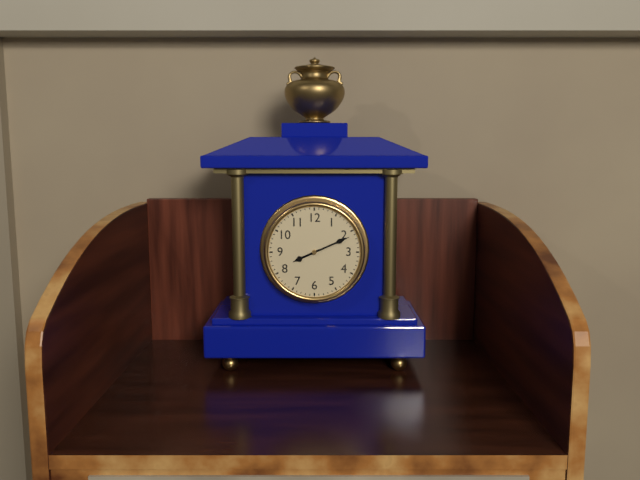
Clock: 8:11
